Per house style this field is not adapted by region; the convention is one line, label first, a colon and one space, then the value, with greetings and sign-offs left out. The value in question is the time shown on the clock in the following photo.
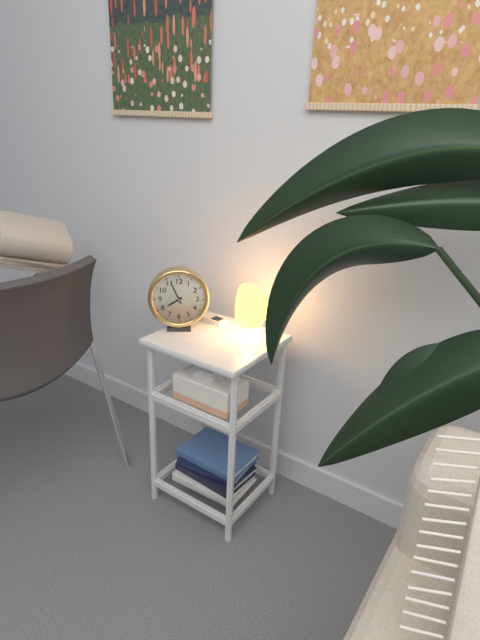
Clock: 7:56
